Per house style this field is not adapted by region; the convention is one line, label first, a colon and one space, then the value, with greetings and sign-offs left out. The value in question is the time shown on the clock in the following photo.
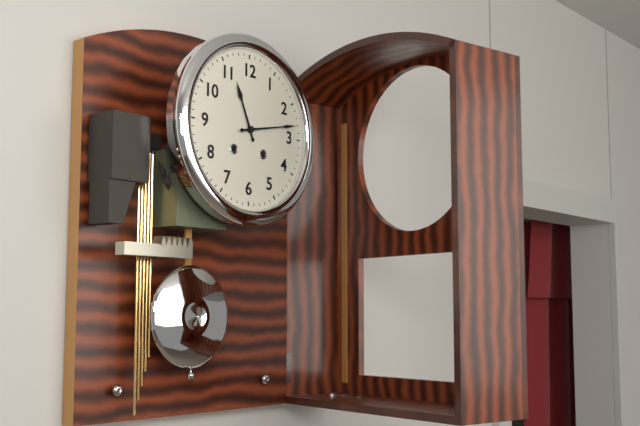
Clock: 11:13
